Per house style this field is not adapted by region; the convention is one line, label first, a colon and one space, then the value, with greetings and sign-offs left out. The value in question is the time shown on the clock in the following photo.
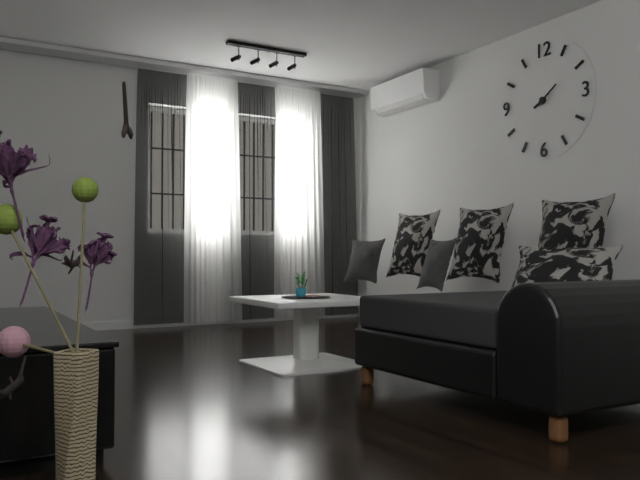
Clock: 8:09
